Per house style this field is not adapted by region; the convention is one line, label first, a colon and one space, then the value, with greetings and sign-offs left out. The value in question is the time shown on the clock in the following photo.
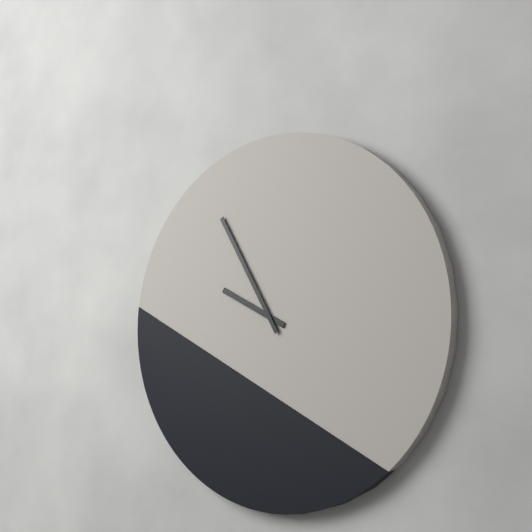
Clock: 9:55
